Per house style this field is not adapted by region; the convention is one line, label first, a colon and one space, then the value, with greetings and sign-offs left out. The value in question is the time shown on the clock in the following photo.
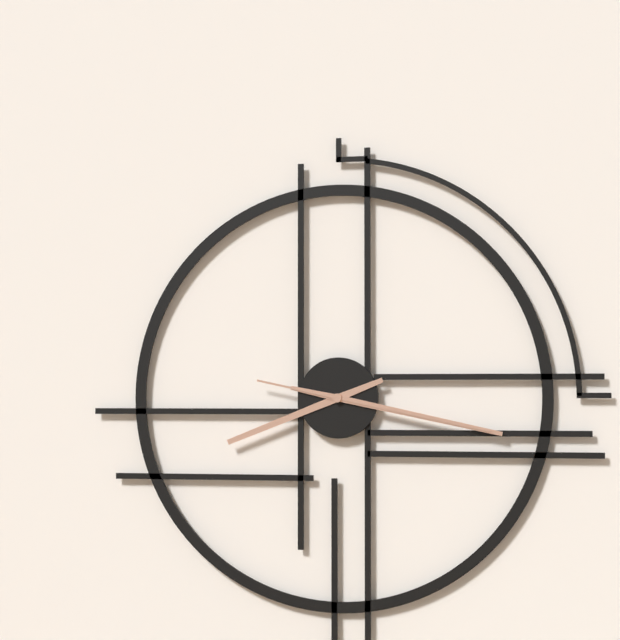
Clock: 8:17:17
